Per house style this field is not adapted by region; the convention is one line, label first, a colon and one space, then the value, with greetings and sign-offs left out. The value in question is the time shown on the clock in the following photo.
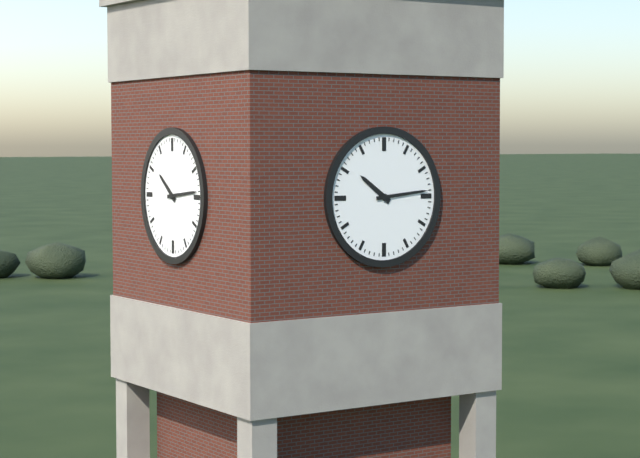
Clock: 10:14
